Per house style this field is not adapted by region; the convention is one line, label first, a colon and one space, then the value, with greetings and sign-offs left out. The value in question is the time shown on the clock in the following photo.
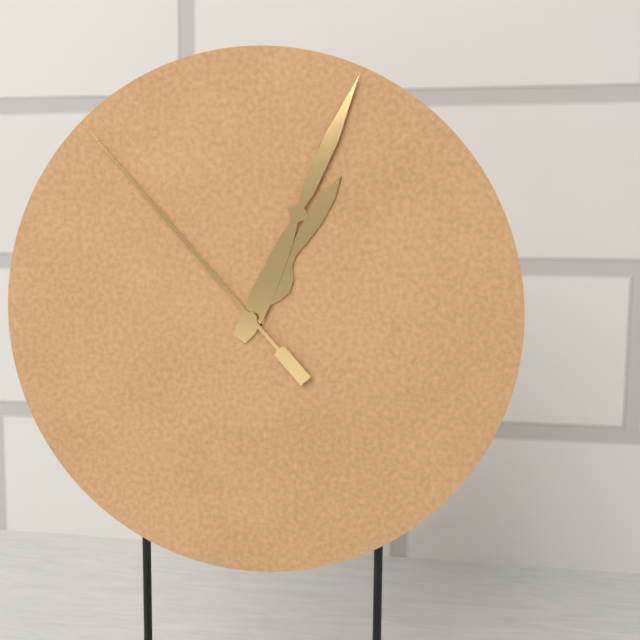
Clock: 1:04:53
